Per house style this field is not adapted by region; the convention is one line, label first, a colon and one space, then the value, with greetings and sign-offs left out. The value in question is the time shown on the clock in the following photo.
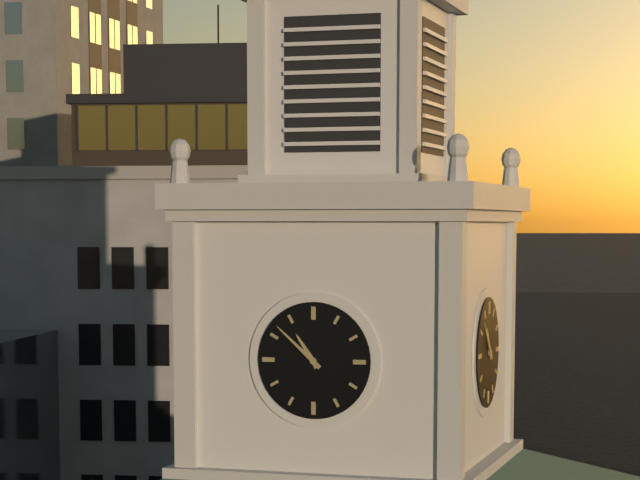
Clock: 10:52
